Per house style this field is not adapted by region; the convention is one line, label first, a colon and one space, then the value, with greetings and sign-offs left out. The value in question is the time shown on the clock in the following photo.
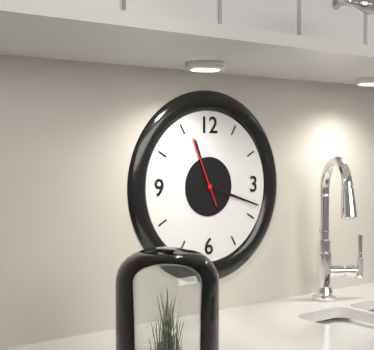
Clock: 11:18:56
